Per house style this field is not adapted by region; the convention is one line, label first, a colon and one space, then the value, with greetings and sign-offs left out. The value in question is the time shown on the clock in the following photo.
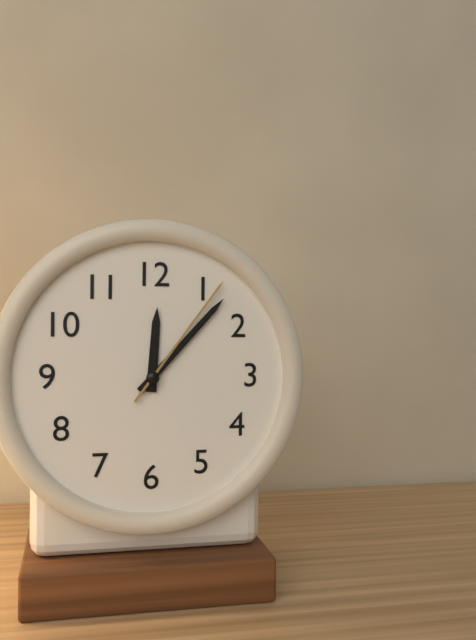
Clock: 12:07:06
